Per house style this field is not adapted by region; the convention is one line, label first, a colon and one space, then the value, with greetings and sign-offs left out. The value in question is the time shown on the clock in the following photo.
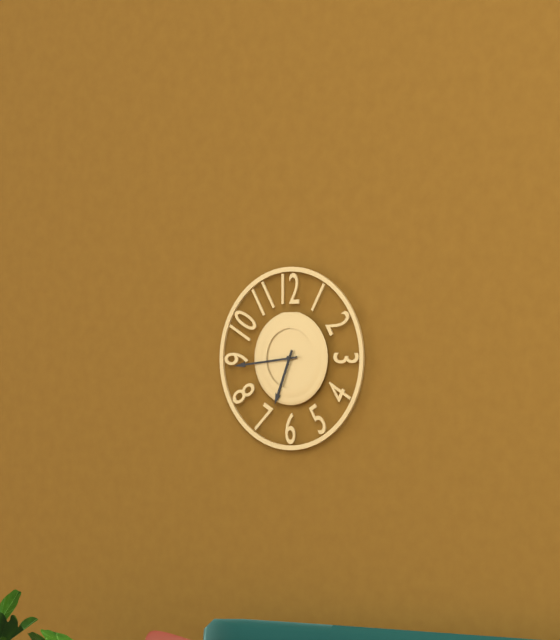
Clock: 6:44
